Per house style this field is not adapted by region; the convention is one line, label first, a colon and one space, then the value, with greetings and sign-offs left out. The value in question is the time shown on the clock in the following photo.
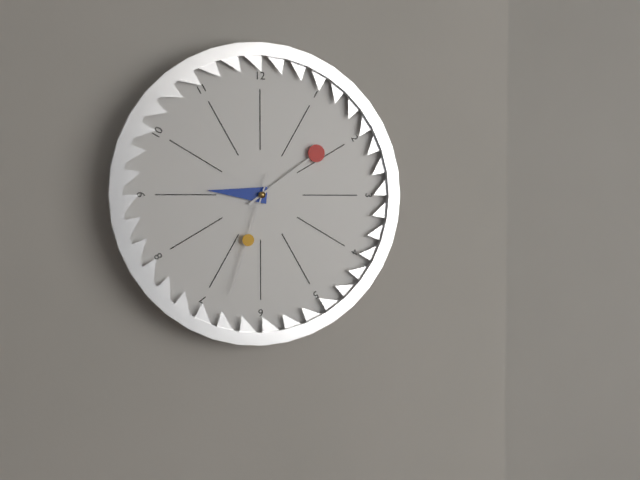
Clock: 9:09:33
